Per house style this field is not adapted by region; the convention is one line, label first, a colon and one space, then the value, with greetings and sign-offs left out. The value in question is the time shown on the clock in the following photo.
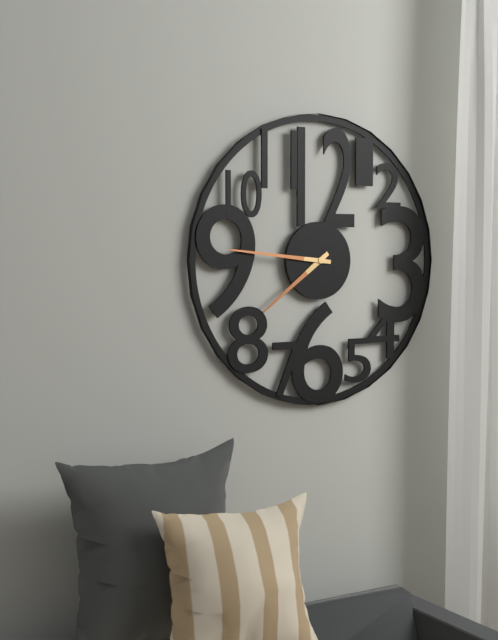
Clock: 7:46
